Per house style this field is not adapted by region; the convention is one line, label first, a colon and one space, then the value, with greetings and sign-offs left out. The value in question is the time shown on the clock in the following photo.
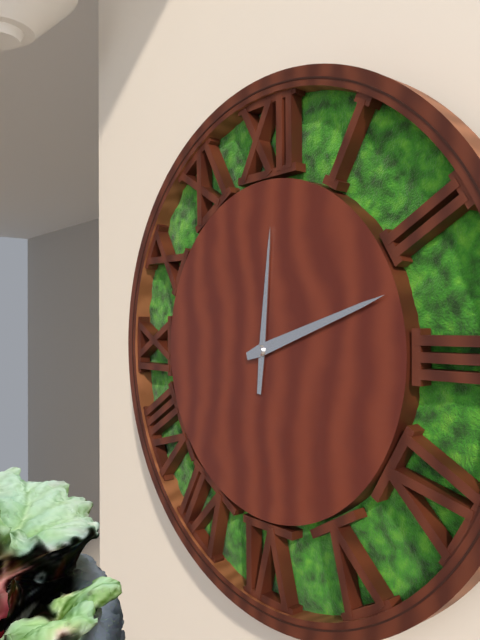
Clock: 12:12
